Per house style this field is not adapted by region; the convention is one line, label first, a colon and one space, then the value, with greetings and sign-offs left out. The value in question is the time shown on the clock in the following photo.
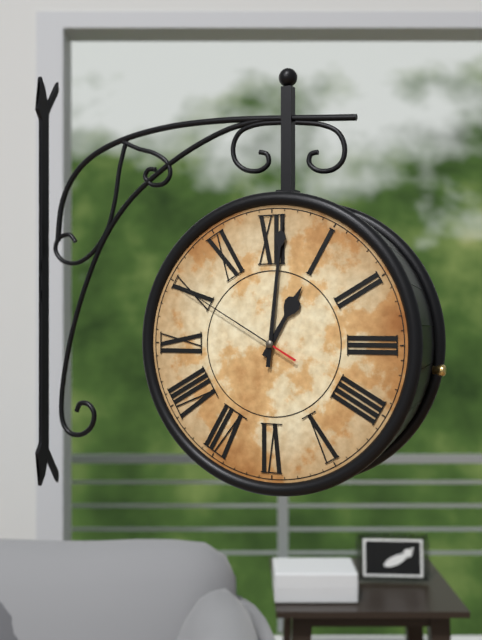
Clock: 1:01:50
